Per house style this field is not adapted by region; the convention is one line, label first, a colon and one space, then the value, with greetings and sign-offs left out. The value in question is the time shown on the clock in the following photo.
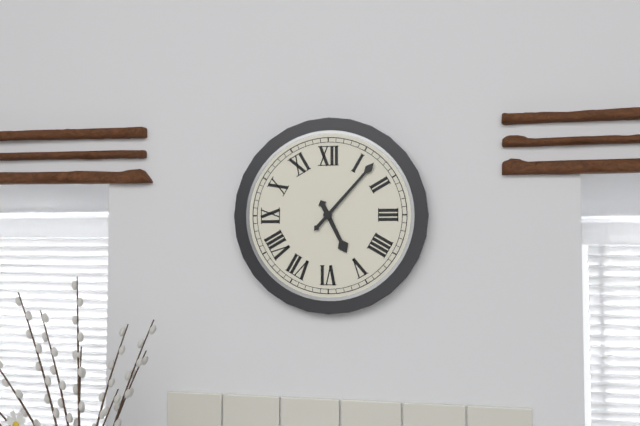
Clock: 5:07
